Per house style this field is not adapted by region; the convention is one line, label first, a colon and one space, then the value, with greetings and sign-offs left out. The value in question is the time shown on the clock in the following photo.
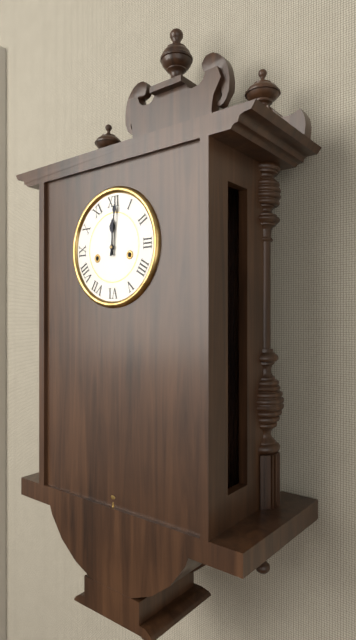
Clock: 12:01
